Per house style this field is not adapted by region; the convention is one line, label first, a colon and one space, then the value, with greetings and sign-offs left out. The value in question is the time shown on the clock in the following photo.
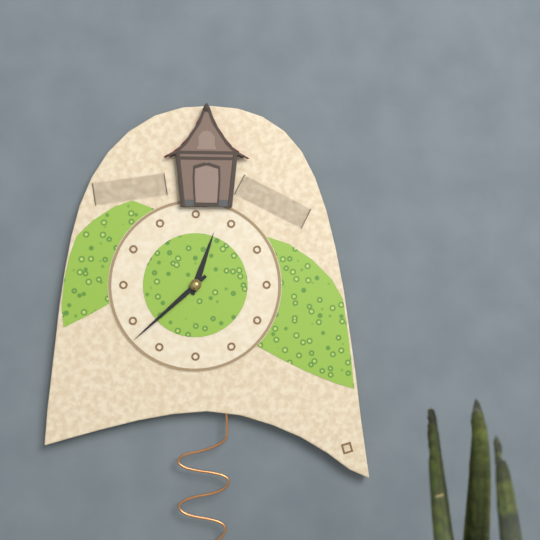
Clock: 12:38
